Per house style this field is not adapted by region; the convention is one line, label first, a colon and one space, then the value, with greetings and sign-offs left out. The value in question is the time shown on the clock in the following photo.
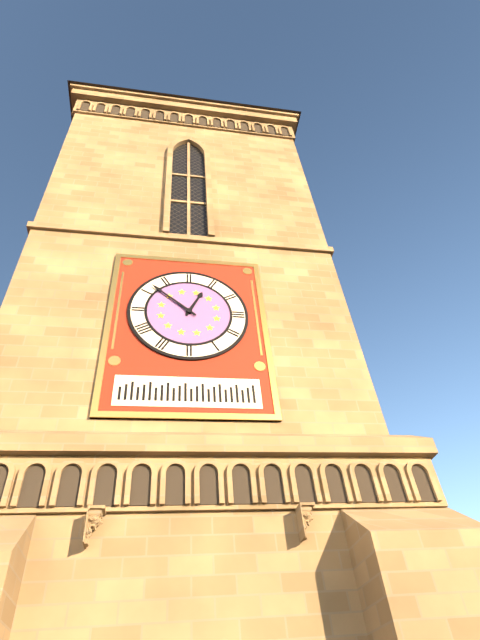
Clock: 12:52
